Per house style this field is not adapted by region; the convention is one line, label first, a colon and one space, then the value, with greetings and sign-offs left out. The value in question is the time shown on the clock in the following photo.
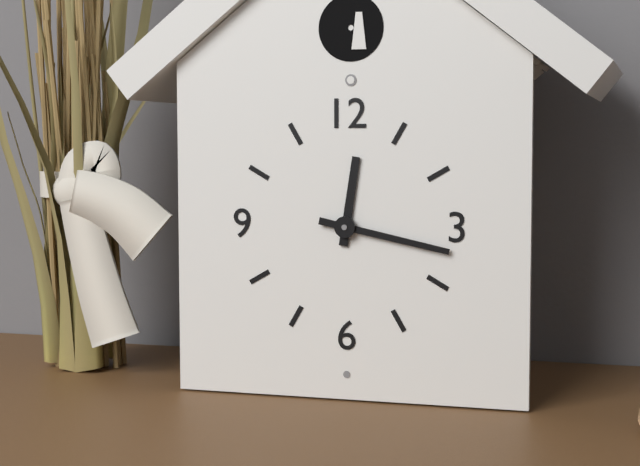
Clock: 12:17
